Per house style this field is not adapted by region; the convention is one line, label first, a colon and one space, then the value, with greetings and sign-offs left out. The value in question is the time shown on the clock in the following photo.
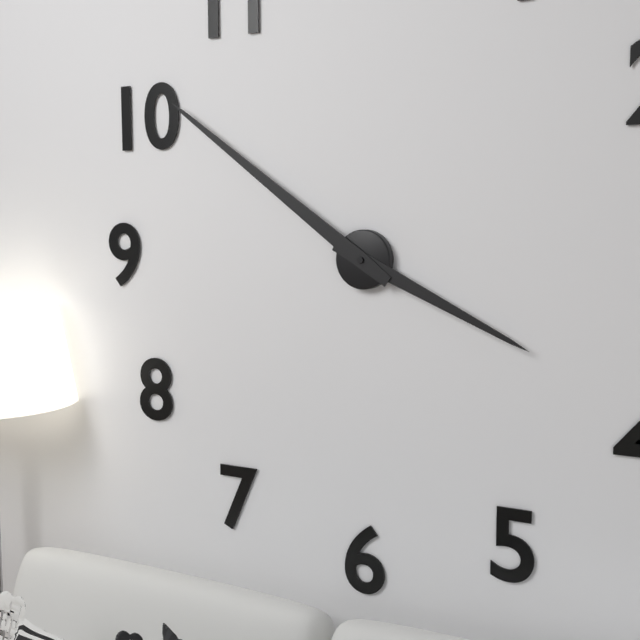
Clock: 3:51
